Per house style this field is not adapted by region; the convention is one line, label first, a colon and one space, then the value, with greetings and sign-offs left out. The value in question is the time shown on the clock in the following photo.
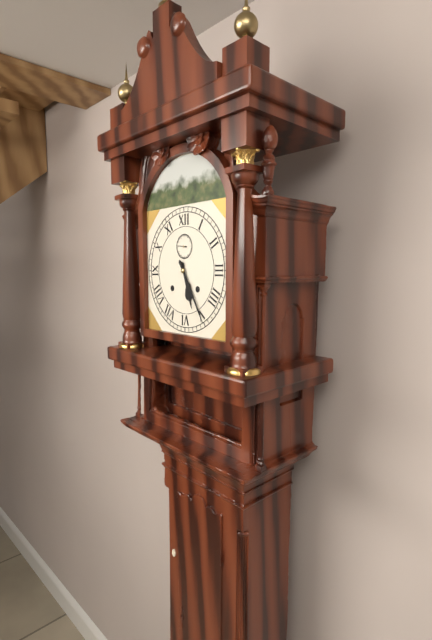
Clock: 5:25
